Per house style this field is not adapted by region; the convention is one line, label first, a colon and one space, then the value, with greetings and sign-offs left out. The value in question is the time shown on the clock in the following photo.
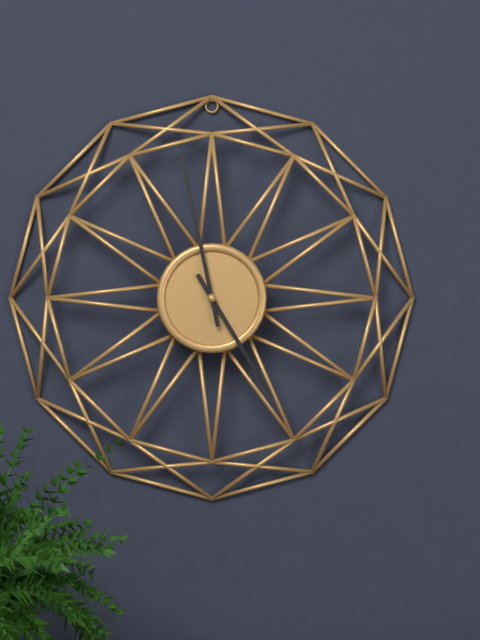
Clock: 4:58
